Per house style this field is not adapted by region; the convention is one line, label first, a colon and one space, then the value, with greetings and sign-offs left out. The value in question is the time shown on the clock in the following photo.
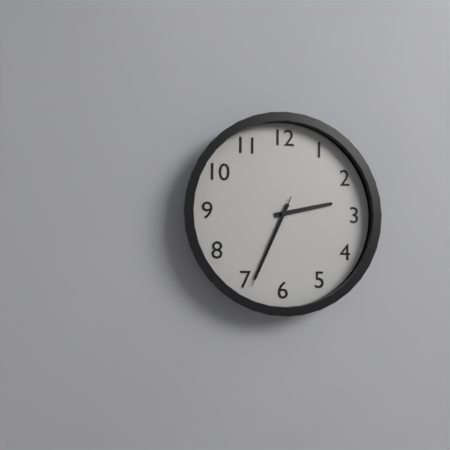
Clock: 2:34:34
